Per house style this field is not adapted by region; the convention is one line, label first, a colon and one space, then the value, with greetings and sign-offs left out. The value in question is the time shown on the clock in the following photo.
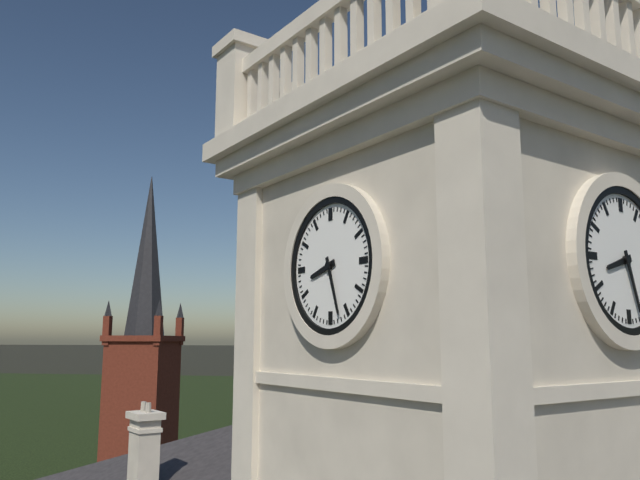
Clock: 8:27
